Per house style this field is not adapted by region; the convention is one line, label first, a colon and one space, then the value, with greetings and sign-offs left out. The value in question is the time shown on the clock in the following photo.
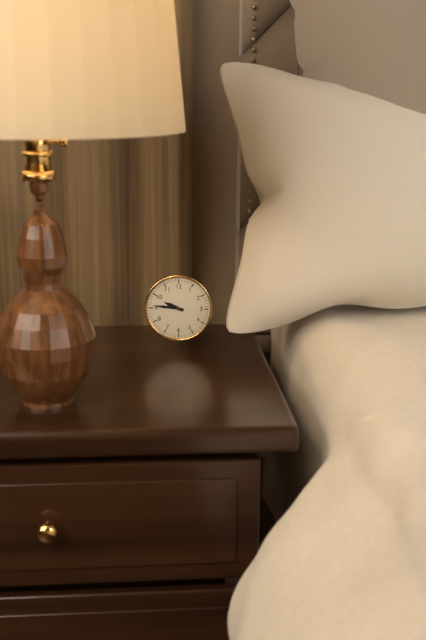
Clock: 9:46
